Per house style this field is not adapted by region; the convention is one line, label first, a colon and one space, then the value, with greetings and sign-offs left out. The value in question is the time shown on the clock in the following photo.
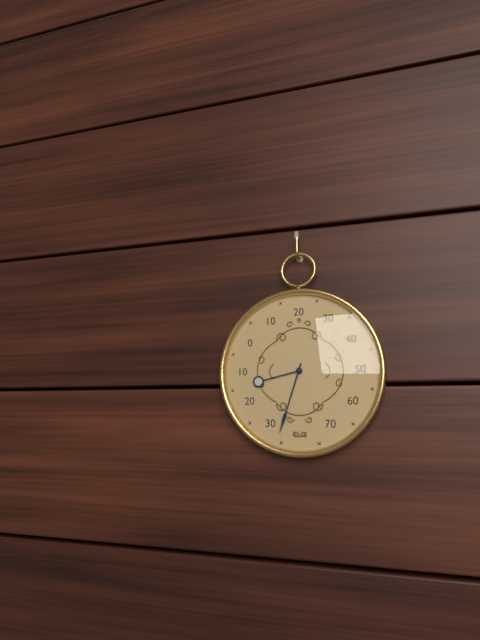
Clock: 8:33
